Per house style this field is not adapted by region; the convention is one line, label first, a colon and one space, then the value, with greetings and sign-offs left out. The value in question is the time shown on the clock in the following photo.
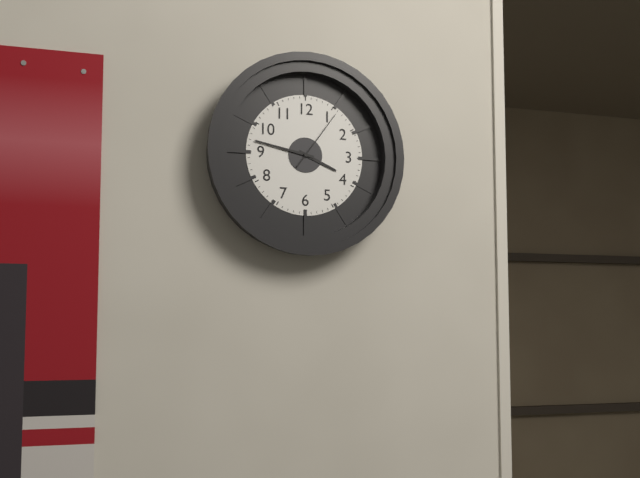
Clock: 3:47:06
